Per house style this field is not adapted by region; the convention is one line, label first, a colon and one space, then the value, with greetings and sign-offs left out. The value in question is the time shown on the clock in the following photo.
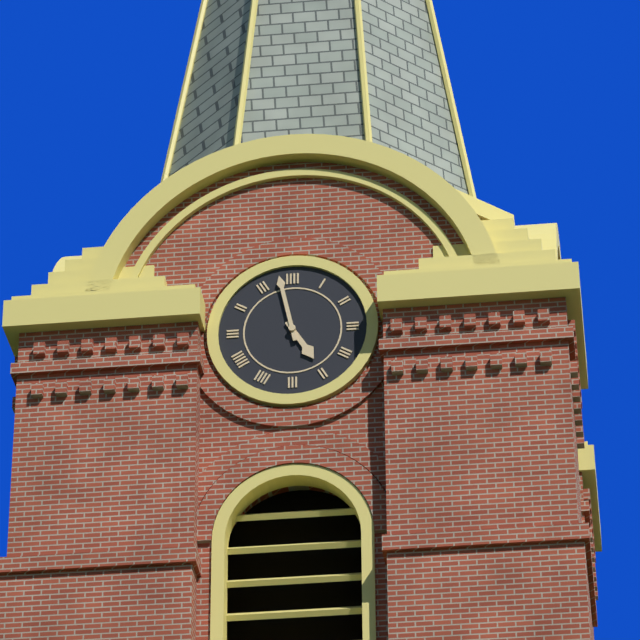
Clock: 4:58
